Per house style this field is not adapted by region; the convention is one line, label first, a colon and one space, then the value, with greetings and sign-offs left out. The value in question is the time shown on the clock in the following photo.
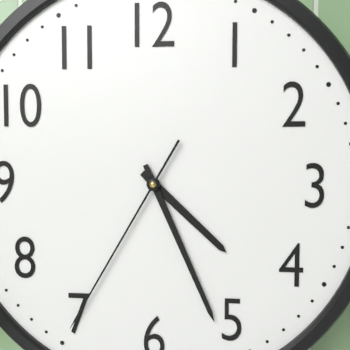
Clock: 4:26:35
